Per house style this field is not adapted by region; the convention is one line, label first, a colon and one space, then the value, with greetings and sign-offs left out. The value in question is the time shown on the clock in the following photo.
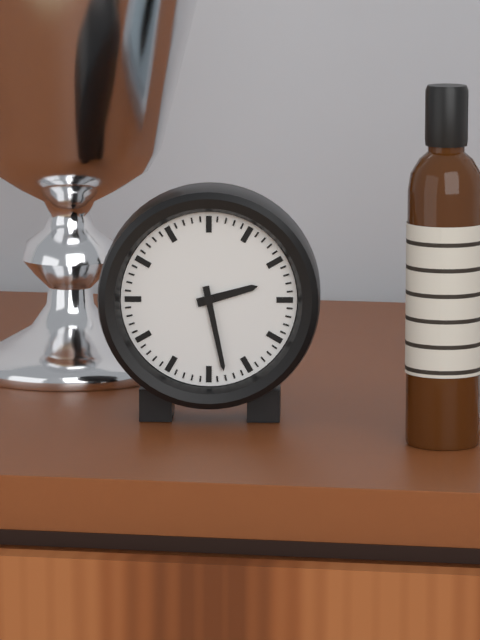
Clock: 2:28
